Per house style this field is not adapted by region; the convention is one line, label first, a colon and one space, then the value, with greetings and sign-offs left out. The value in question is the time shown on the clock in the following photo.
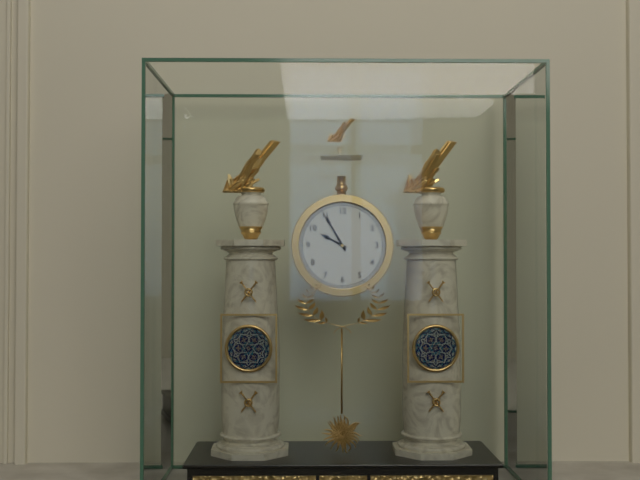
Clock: 9:55
